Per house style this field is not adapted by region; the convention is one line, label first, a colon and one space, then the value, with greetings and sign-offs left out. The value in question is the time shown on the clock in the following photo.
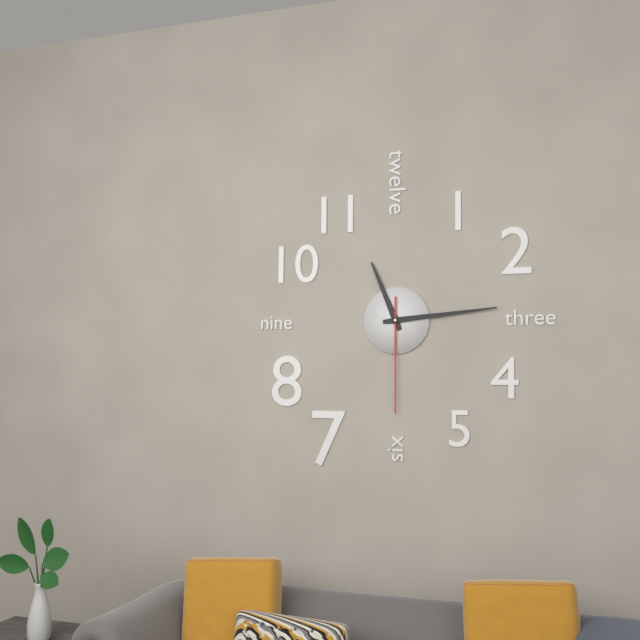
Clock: 11:14:30
